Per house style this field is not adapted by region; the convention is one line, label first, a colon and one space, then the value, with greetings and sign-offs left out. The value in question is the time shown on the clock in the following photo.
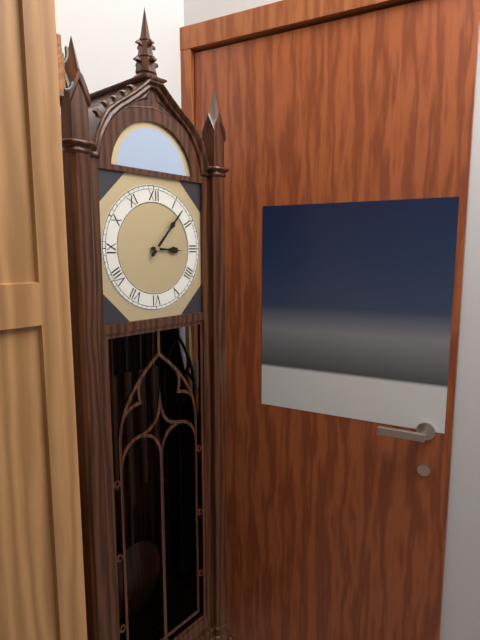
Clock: 3:07
